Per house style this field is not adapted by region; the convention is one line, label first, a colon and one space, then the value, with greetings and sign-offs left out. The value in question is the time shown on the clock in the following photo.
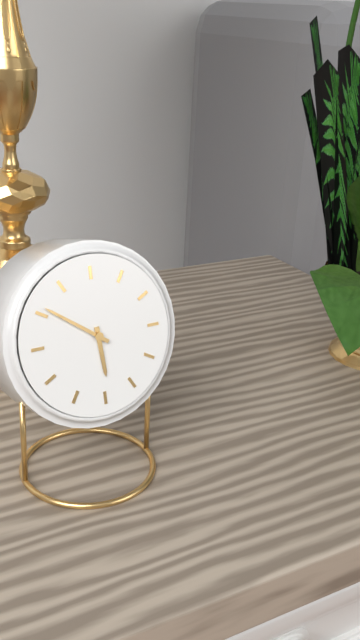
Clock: 5:51
